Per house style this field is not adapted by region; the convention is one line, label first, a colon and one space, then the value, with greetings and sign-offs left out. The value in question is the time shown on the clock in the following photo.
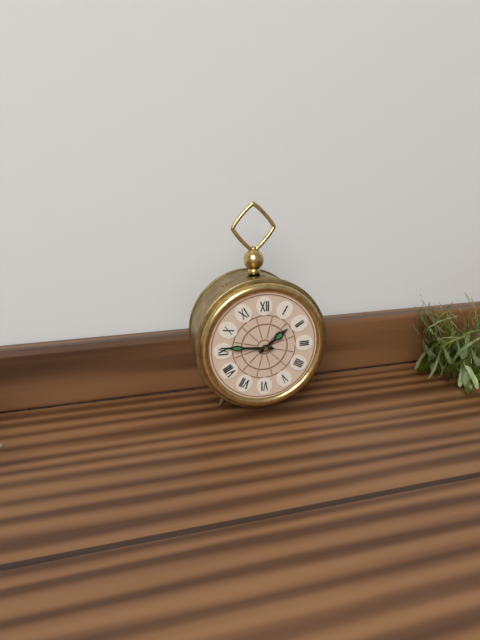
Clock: 1:46
